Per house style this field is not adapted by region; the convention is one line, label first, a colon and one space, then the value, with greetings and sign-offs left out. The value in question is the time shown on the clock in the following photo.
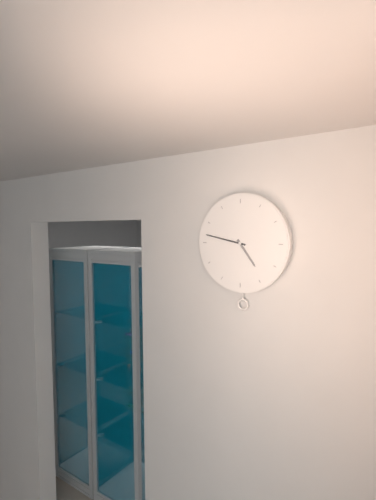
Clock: 4:47
